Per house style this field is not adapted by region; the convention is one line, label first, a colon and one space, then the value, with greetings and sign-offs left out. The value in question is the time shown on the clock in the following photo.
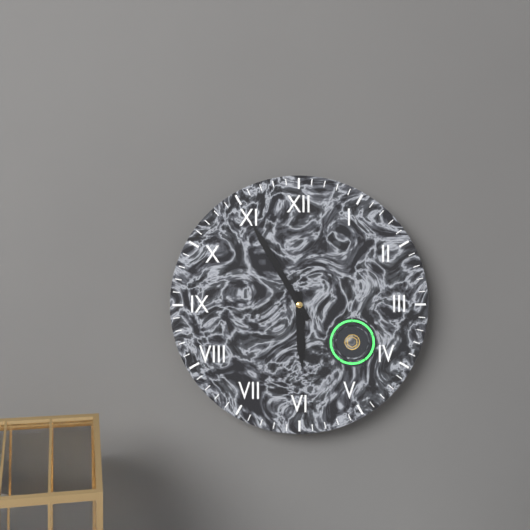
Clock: 5:55
